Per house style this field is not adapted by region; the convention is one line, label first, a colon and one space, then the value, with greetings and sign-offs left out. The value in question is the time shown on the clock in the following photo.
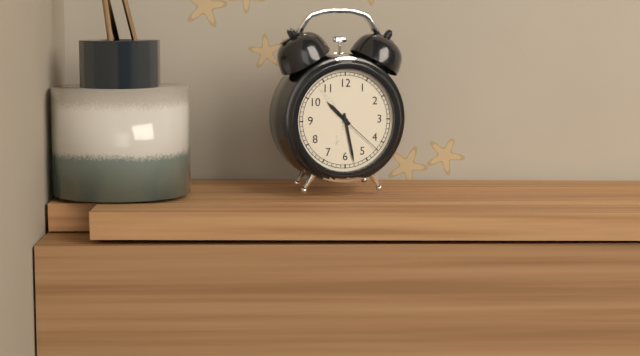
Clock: 10:28:22
